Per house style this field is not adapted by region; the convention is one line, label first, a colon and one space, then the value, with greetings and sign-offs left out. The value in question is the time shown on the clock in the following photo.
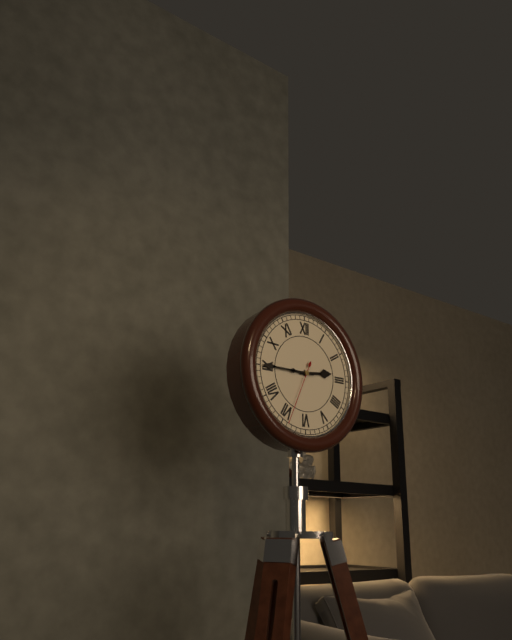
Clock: 2:45:34
